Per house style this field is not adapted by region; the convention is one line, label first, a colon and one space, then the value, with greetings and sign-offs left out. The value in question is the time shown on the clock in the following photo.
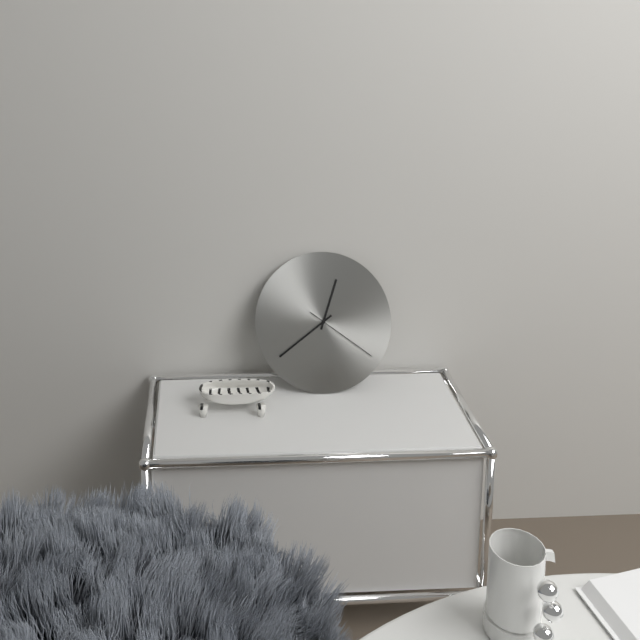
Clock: 12:39:21
